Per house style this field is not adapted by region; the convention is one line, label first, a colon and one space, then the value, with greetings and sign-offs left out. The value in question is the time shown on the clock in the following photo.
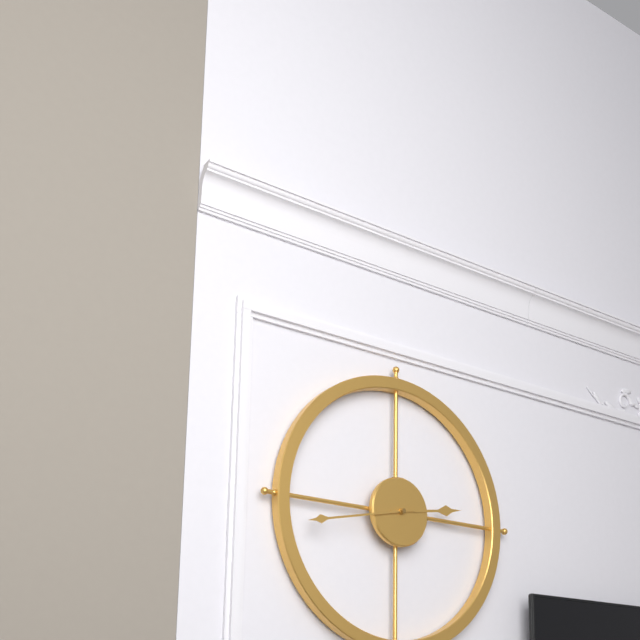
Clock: 2:43
